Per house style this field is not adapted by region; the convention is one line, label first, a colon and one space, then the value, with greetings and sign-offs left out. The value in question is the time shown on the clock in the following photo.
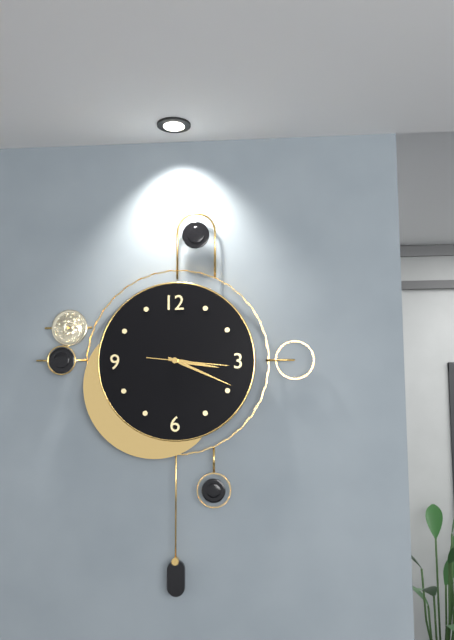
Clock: 3:19:16
